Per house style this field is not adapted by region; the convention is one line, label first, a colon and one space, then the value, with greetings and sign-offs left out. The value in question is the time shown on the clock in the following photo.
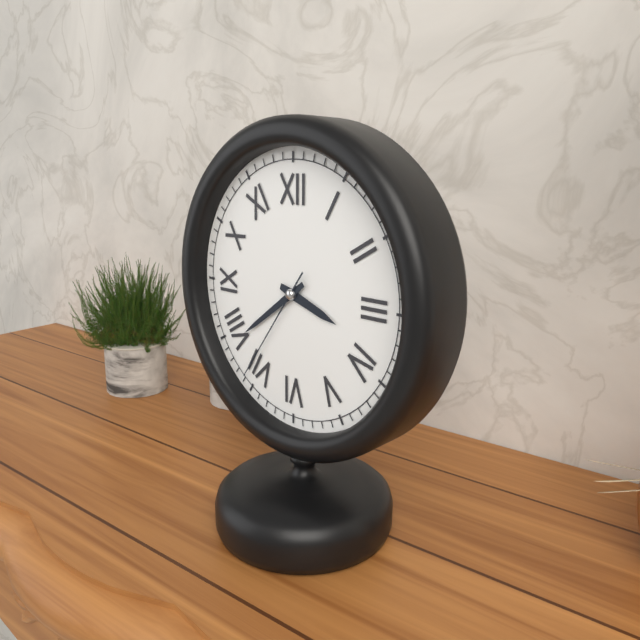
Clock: 3:39:36
